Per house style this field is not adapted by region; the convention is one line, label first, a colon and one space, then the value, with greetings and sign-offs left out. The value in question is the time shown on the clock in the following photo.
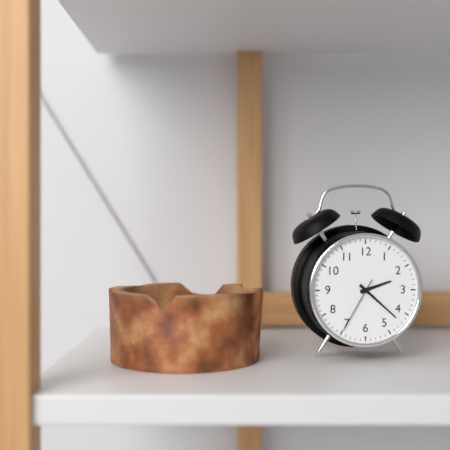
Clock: 2:22:35
